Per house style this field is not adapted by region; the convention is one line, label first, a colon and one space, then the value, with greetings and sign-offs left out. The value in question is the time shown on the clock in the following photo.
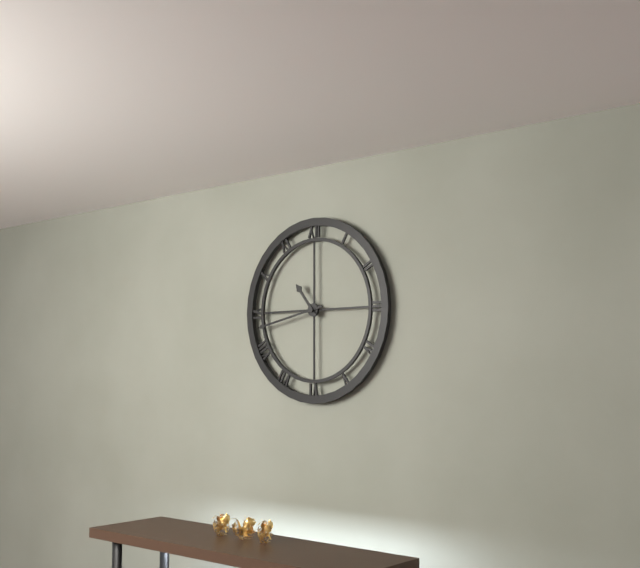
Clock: 10:43
